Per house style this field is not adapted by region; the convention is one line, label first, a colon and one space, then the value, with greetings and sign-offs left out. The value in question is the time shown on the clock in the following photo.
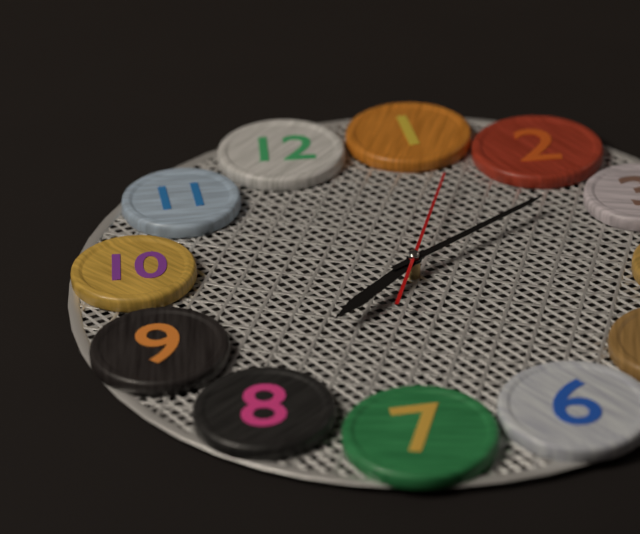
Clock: 8:13:07
